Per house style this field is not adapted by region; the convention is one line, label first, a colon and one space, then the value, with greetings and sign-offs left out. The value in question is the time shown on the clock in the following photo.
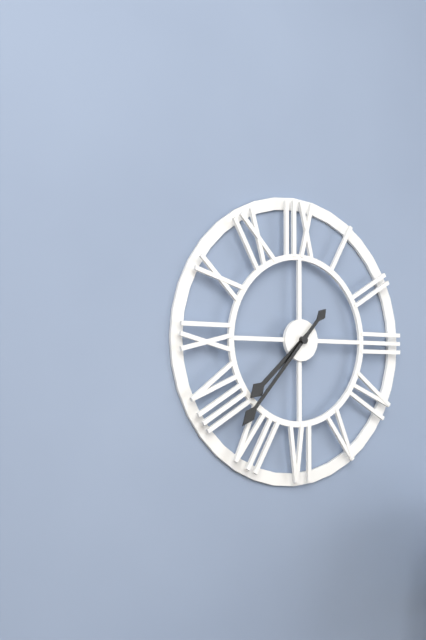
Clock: 7:37
